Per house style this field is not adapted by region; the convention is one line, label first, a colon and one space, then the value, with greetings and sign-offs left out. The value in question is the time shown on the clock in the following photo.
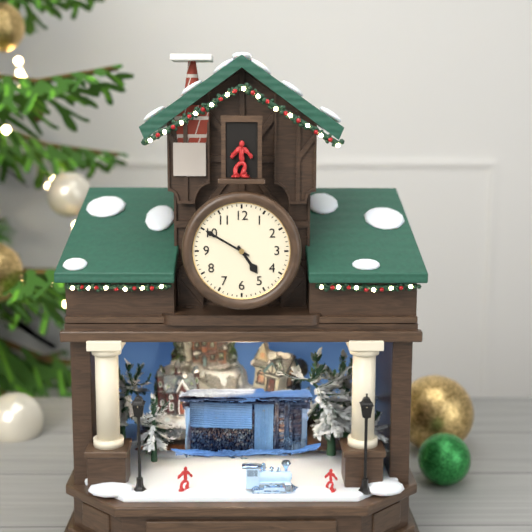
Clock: 4:50
